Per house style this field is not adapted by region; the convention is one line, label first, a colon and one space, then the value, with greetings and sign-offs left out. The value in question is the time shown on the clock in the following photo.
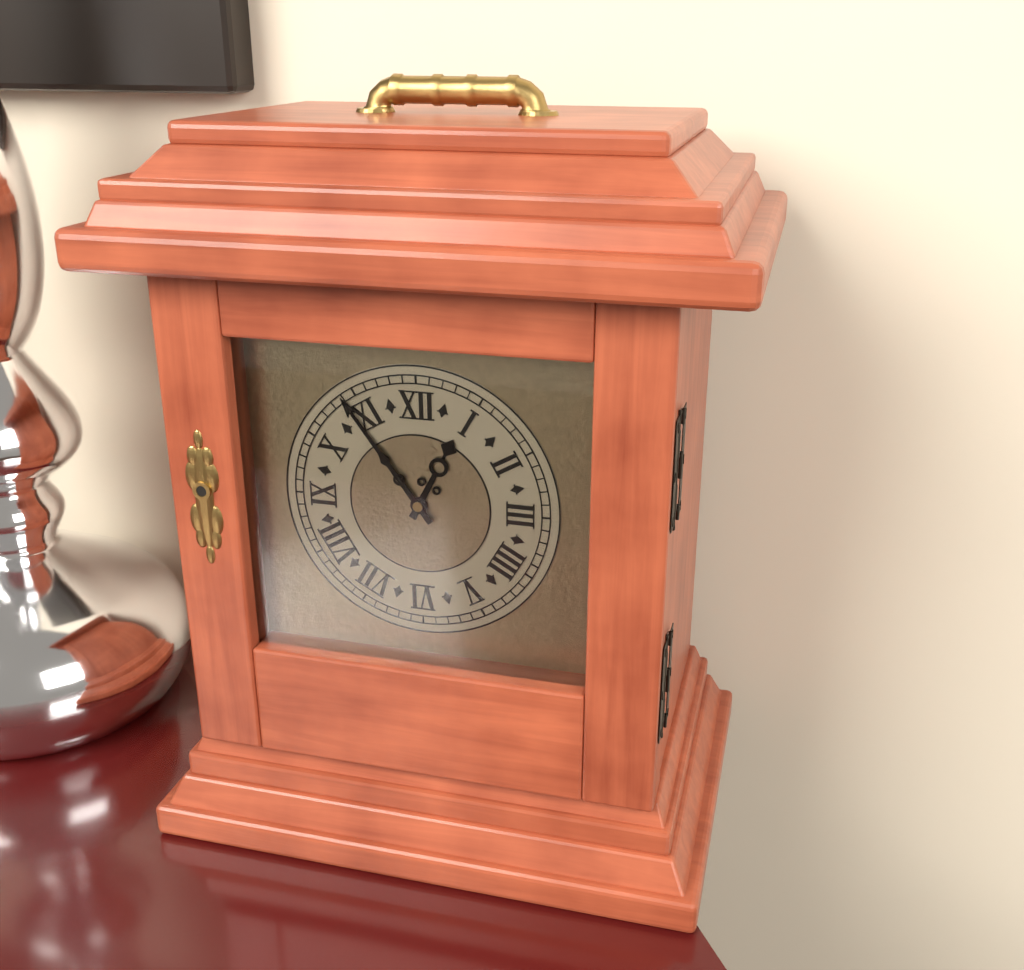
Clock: 12:54
